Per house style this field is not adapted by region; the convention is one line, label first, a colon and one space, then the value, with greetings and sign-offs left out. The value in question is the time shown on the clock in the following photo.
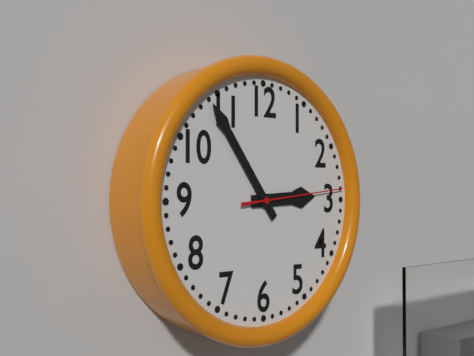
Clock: 2:54:14
